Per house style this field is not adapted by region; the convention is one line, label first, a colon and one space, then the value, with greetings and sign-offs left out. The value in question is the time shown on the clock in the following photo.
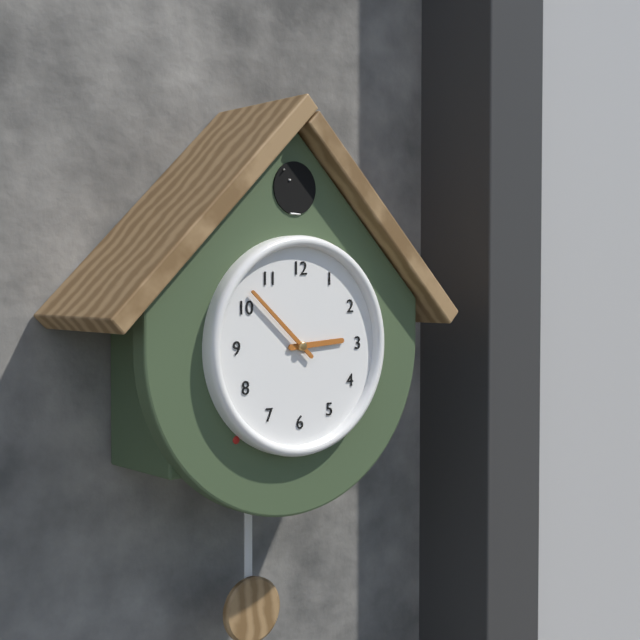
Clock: 2:52
